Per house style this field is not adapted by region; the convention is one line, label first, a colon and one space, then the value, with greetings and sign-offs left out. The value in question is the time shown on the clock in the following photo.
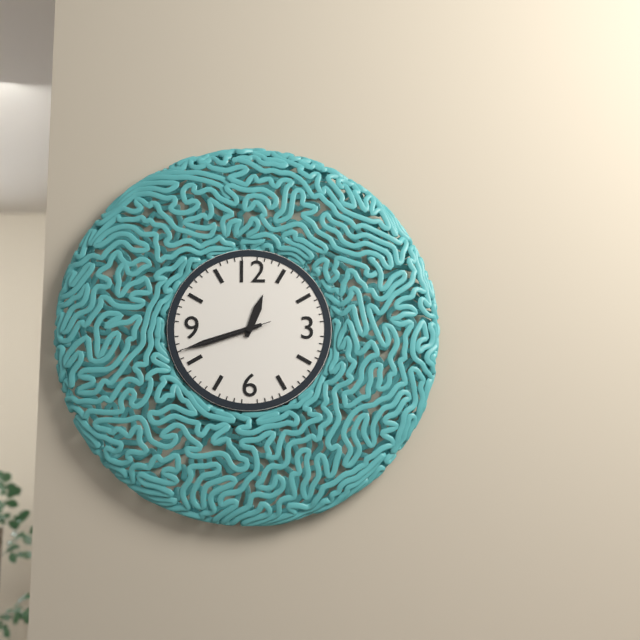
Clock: 12:42:42
